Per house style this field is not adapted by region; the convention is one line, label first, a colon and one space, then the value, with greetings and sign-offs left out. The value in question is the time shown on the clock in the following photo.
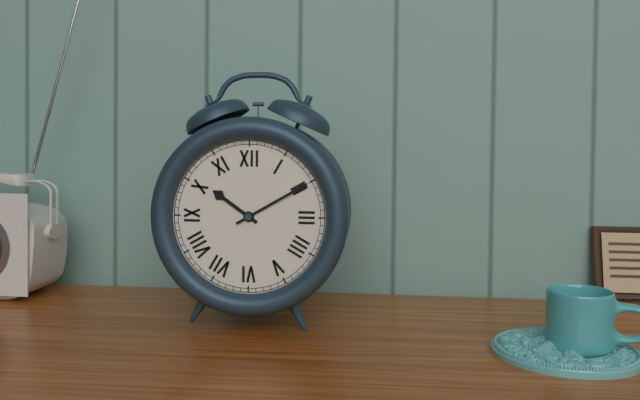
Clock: 10:10
